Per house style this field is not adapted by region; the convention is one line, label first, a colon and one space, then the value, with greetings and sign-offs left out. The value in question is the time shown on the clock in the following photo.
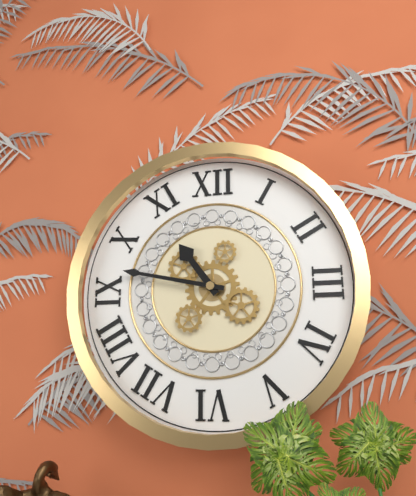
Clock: 10:47
